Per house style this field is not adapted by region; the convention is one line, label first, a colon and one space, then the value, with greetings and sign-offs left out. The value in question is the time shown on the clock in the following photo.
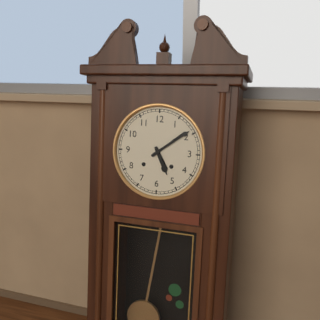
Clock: 5:09
